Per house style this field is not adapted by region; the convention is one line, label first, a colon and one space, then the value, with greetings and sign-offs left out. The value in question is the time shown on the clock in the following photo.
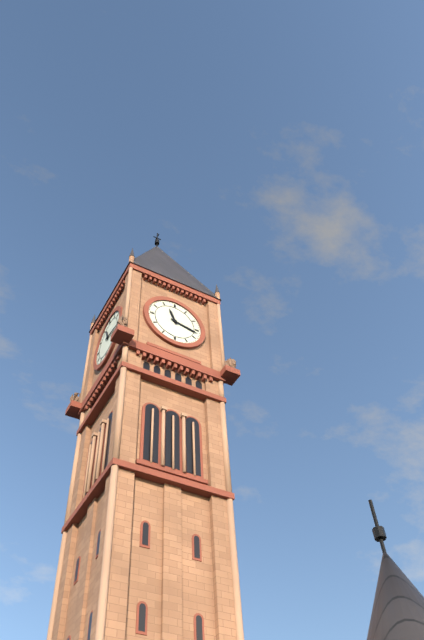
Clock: 11:17
